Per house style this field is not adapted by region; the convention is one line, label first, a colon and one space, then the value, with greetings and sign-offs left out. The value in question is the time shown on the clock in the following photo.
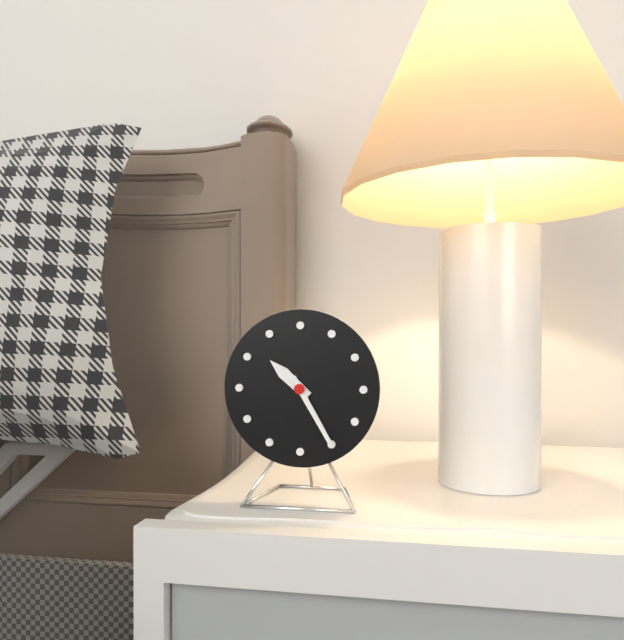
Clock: 10:25
